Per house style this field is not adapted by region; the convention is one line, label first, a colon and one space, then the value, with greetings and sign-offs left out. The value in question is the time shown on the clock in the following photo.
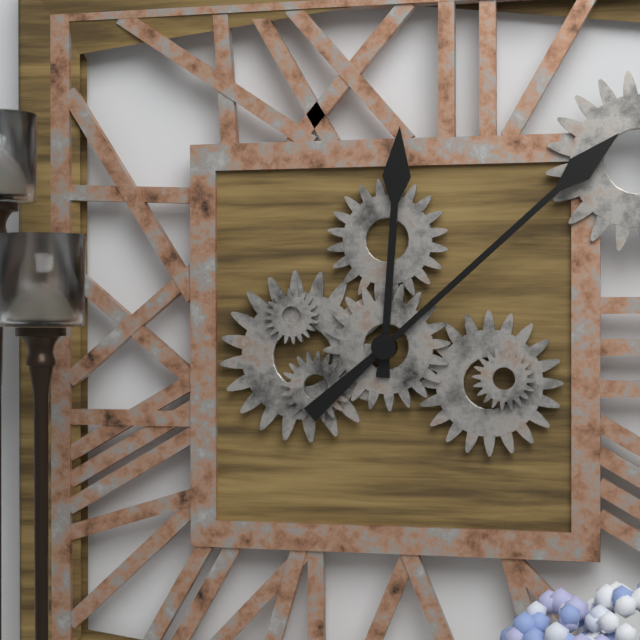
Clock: 12:08
